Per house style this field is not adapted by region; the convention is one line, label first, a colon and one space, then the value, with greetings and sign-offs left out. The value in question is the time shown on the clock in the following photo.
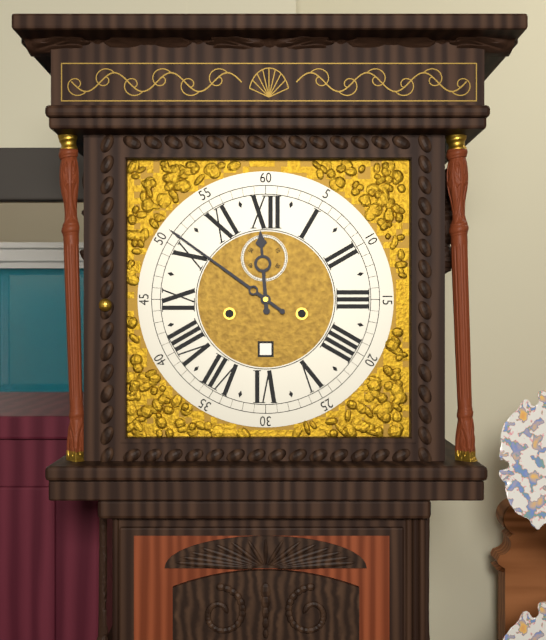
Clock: 11:51
